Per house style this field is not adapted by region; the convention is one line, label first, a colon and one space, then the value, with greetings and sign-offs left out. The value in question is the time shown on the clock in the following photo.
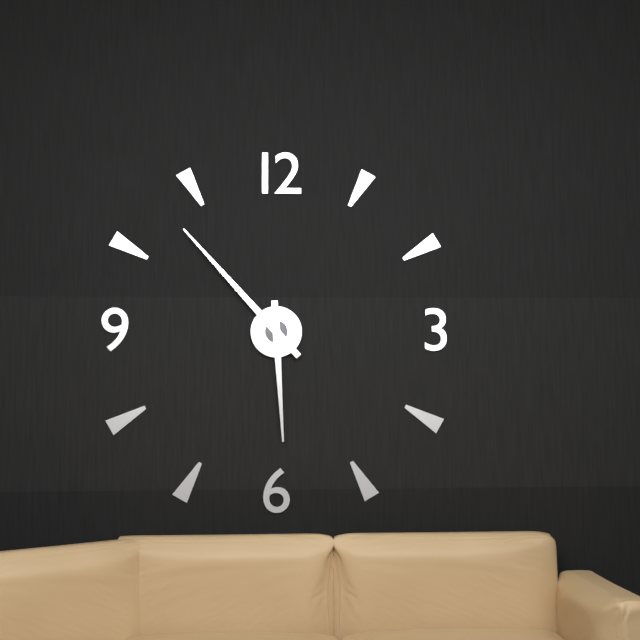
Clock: 5:53
